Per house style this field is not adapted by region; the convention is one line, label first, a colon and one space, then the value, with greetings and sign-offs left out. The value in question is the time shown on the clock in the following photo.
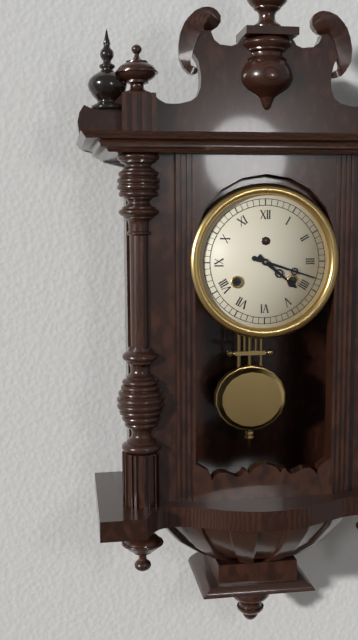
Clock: 4:18
